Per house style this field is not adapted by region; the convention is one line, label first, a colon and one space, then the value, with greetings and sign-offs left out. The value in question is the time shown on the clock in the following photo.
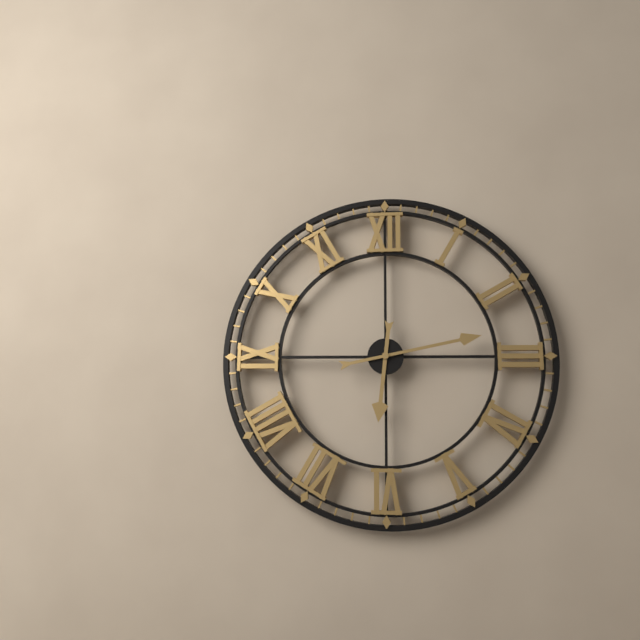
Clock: 6:13
